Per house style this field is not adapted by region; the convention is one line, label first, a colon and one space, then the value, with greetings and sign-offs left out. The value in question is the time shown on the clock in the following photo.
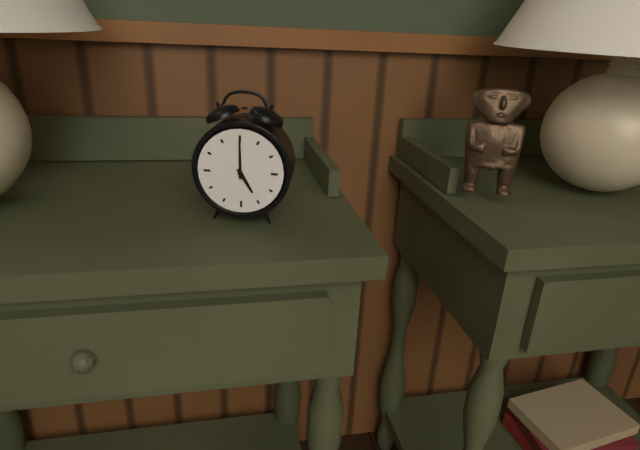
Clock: 5:00
